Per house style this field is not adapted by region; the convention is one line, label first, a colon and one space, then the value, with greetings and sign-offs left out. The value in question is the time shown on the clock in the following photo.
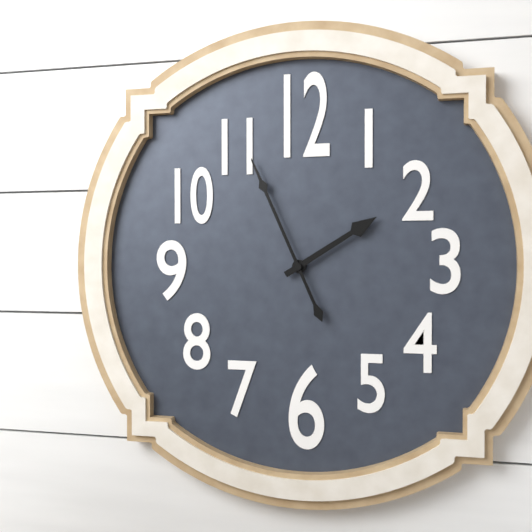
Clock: 1:56
